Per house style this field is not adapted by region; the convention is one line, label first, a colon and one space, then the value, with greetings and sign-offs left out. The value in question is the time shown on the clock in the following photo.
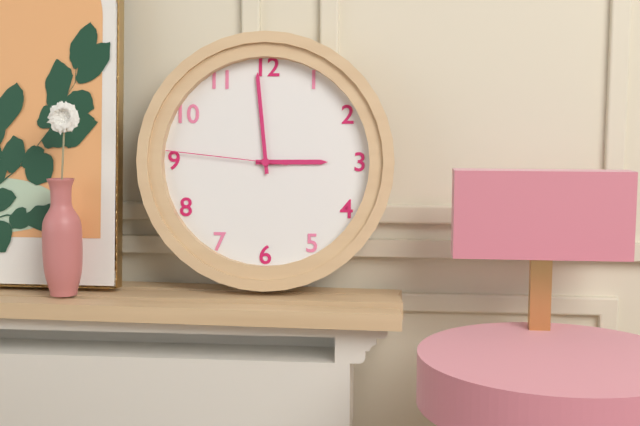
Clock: 2:59:46
